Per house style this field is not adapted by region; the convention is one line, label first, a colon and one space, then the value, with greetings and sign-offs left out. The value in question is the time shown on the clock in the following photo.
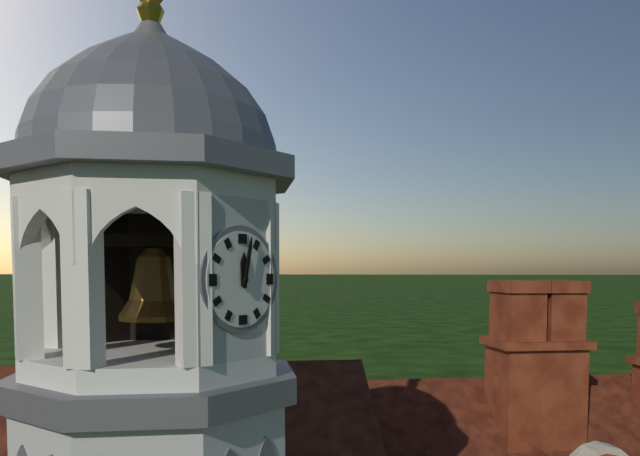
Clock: 12:02
